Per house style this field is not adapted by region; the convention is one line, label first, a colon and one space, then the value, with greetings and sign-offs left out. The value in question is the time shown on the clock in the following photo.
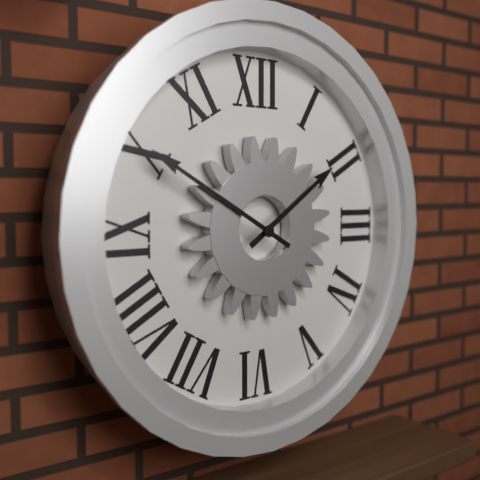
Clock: 1:50
